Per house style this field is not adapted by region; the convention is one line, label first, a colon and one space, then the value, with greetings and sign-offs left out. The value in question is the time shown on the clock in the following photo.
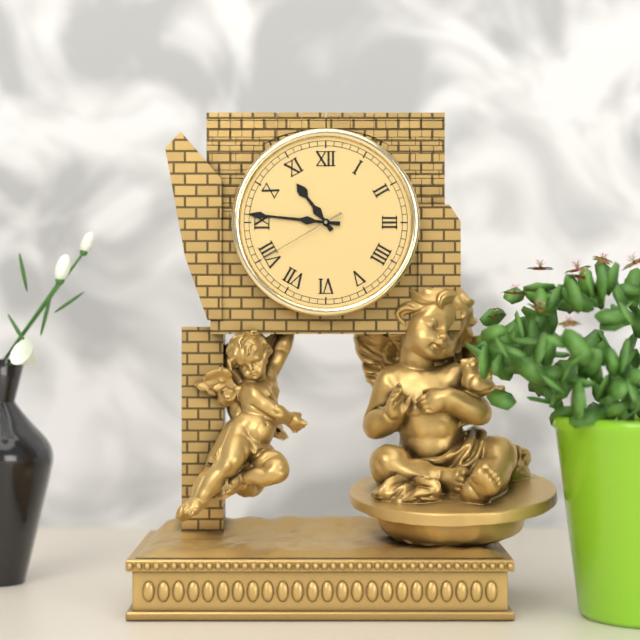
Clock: 10:46:40
